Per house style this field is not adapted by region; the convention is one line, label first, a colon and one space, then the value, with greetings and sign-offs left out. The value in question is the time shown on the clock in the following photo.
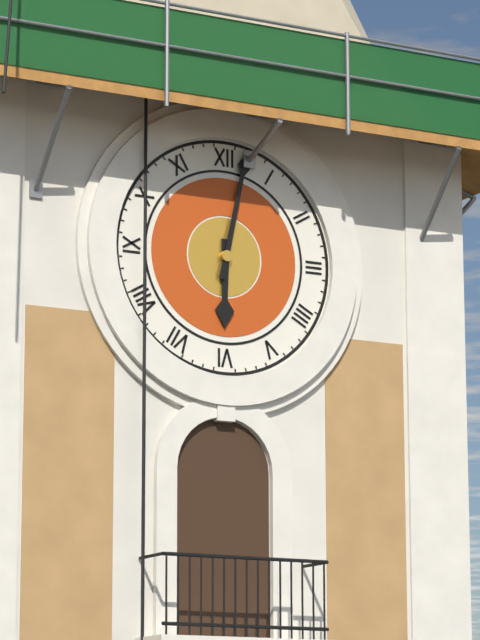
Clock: 6:02
